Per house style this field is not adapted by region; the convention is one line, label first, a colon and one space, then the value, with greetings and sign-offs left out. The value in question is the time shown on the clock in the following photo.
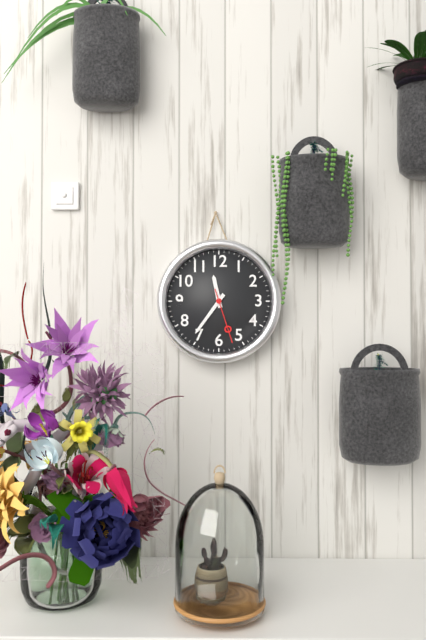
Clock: 11:36:27
